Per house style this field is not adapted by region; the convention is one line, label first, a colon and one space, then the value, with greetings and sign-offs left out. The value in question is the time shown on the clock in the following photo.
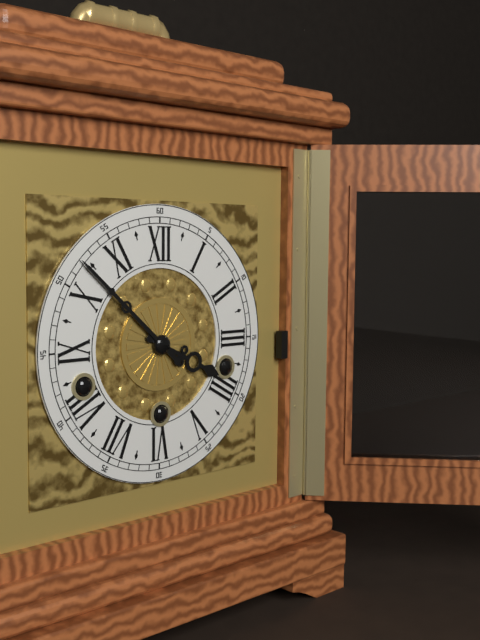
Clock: 3:52
